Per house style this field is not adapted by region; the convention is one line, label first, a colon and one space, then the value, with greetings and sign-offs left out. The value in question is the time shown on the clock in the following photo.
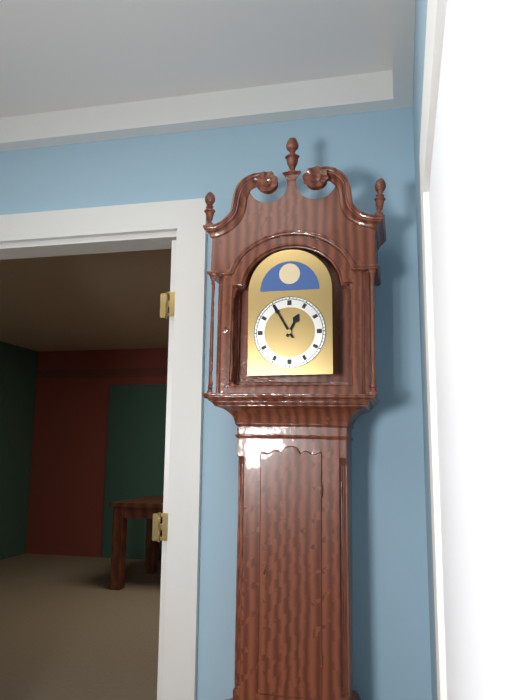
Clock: 12:55
